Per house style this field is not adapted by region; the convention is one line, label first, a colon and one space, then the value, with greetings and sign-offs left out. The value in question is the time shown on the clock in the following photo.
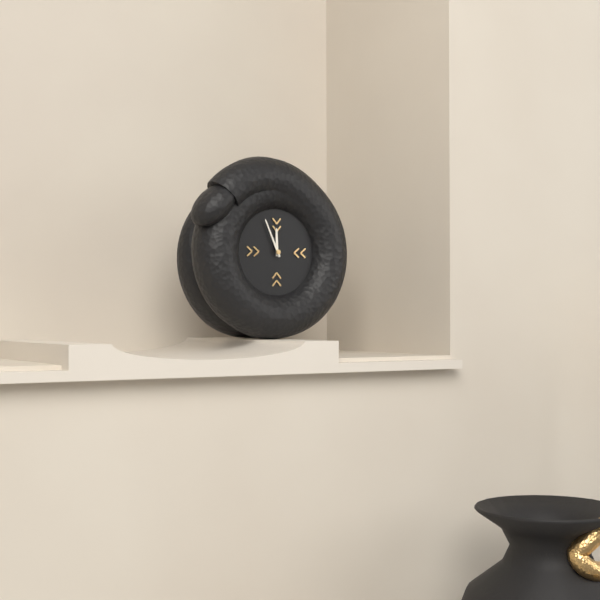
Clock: 11:56
